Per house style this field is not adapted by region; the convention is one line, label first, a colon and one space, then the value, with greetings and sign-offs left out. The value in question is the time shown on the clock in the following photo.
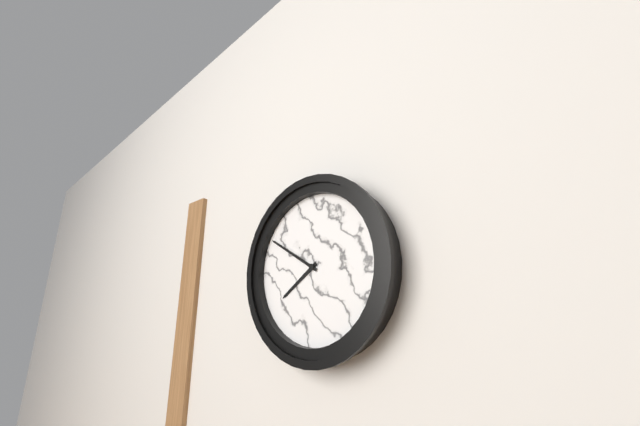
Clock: 7:50
